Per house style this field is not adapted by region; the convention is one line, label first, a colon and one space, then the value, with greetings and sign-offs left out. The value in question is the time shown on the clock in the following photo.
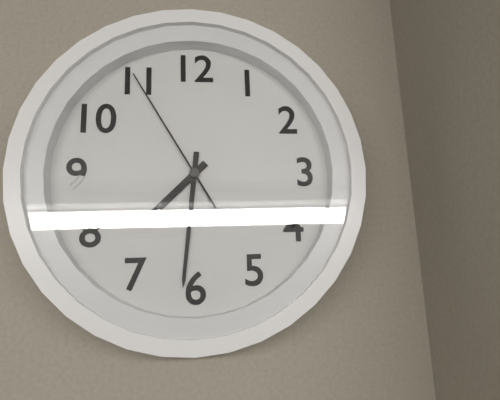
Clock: 7:31:55
